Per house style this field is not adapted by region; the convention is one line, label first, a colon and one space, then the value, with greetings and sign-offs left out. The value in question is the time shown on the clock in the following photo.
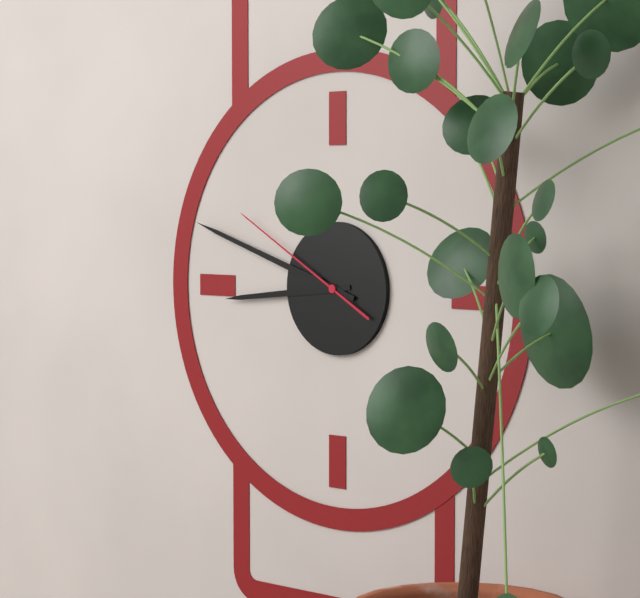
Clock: 8:48:50
